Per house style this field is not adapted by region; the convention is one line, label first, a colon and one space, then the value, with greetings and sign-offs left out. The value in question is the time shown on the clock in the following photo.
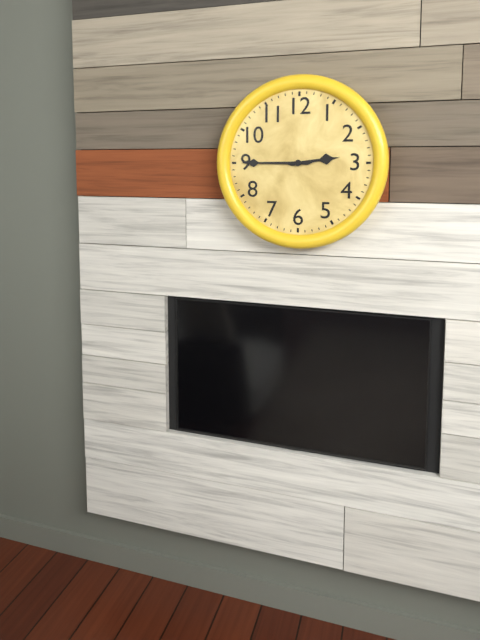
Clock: 2:45
